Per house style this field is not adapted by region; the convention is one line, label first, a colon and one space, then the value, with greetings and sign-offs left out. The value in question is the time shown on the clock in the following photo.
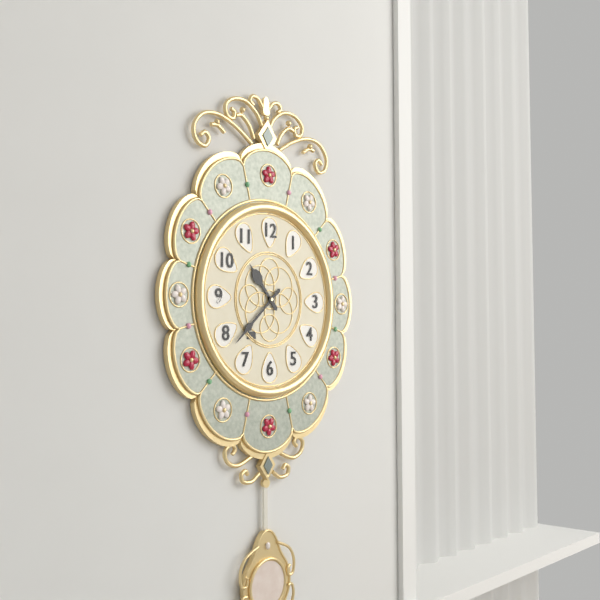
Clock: 10:38
